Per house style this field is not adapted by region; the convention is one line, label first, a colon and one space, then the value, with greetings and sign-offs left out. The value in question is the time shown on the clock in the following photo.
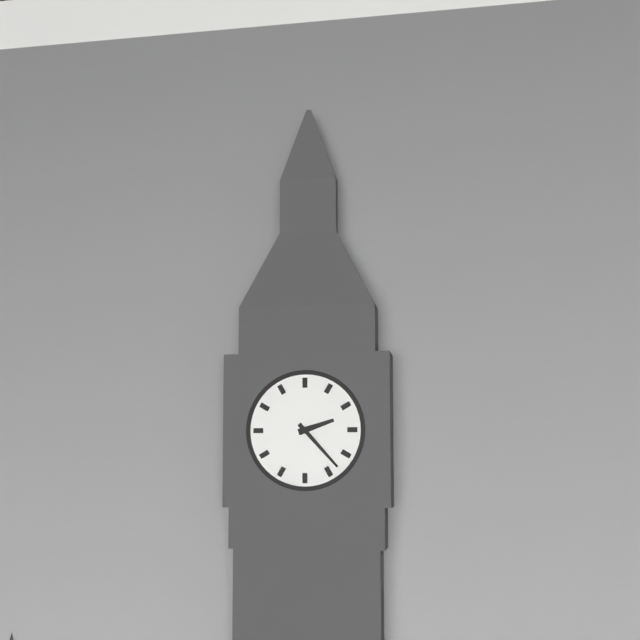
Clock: 2:23
